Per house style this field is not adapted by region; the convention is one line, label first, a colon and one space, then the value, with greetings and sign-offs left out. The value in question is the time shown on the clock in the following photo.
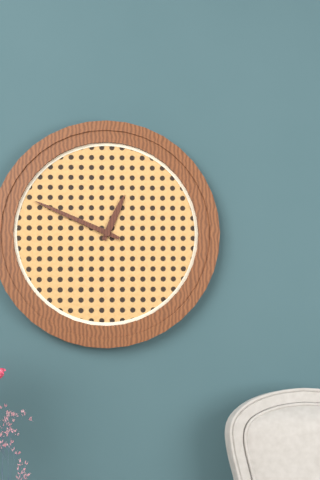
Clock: 12:49
